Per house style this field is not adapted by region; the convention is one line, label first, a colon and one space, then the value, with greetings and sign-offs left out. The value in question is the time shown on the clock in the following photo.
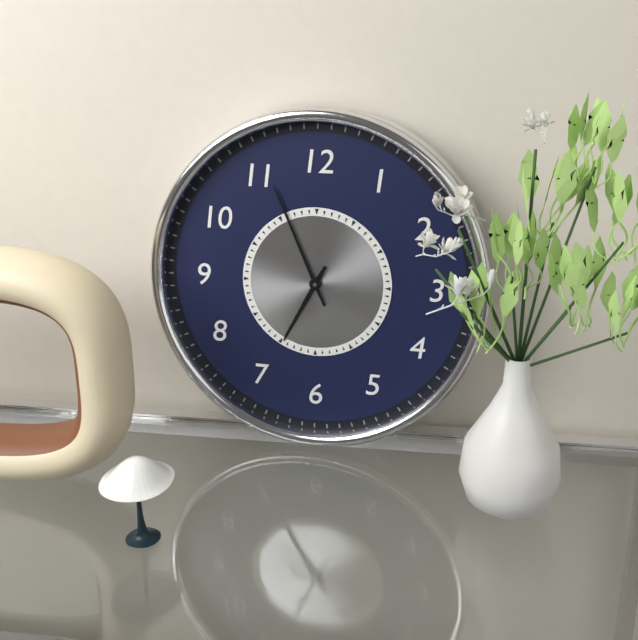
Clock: 6:56
